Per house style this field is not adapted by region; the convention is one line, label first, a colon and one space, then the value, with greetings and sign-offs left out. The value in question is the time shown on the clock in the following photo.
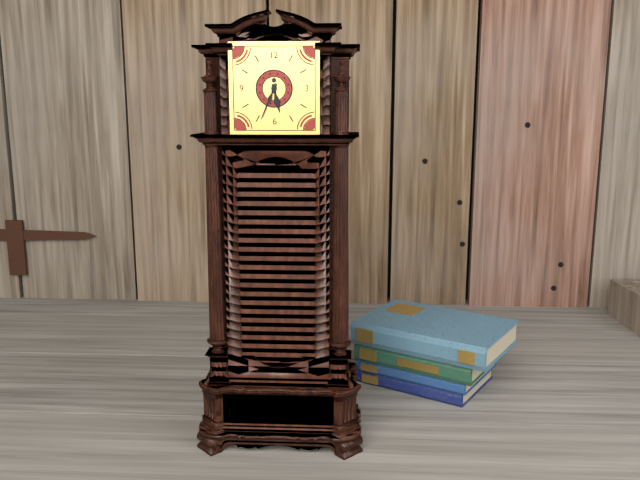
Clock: 5:34
